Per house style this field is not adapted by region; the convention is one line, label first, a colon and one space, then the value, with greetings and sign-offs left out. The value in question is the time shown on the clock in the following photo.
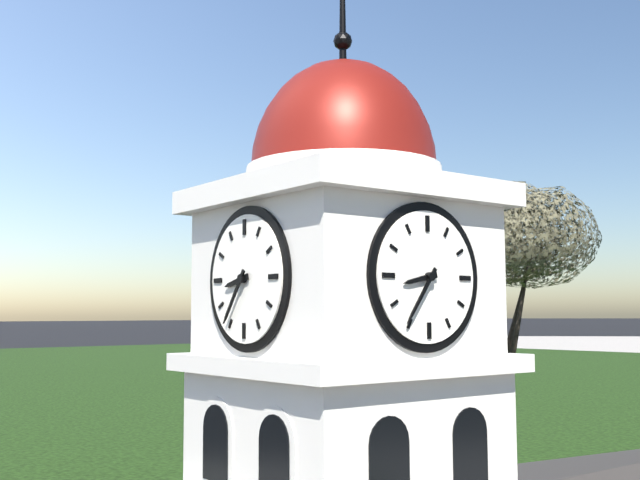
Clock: 8:36
